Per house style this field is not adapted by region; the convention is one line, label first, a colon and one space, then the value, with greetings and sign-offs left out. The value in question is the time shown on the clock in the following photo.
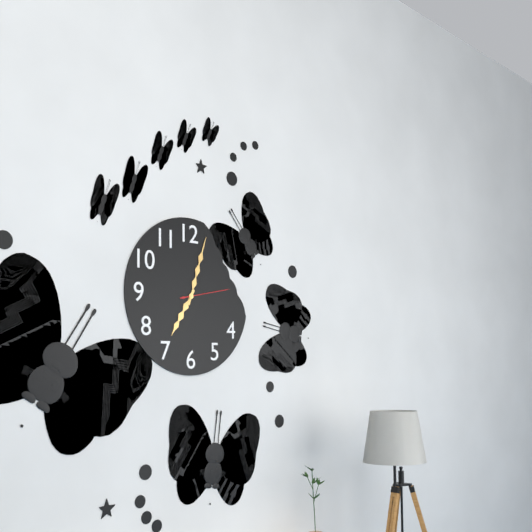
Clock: 7:03
